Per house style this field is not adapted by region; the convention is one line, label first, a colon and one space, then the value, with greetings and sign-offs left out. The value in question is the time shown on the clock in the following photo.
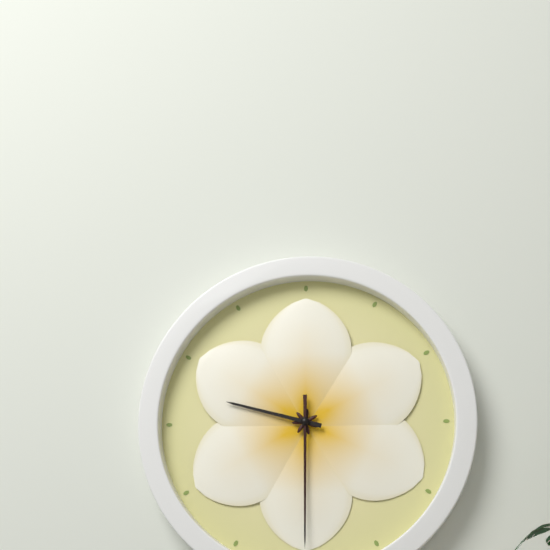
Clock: 9:30:30
